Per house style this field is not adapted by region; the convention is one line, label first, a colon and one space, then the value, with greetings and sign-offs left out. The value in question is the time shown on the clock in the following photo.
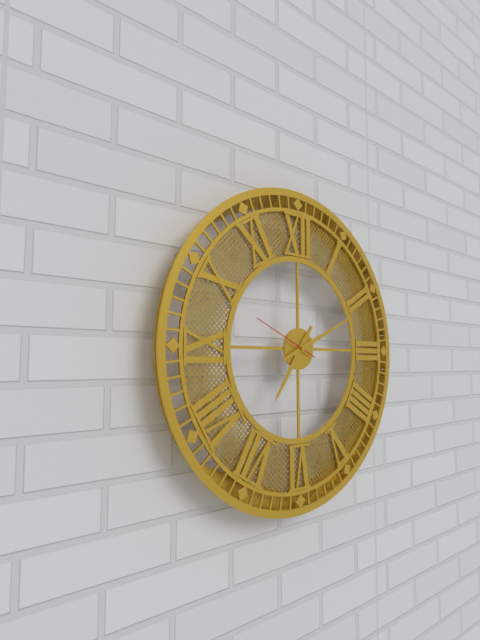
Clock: 7:11
